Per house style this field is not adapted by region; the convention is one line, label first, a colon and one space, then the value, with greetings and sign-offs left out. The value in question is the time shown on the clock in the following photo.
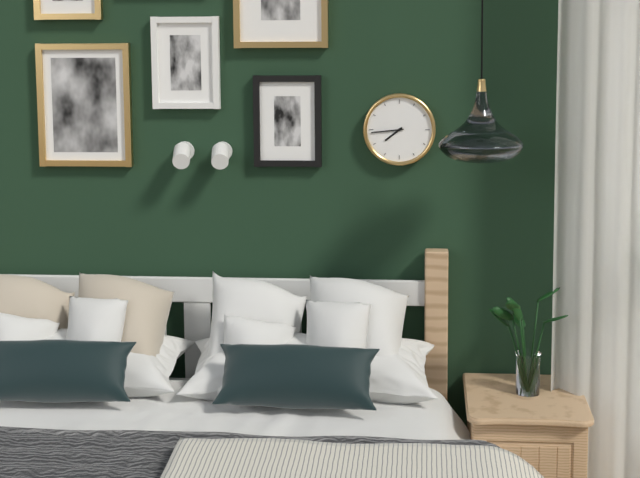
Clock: 7:44
